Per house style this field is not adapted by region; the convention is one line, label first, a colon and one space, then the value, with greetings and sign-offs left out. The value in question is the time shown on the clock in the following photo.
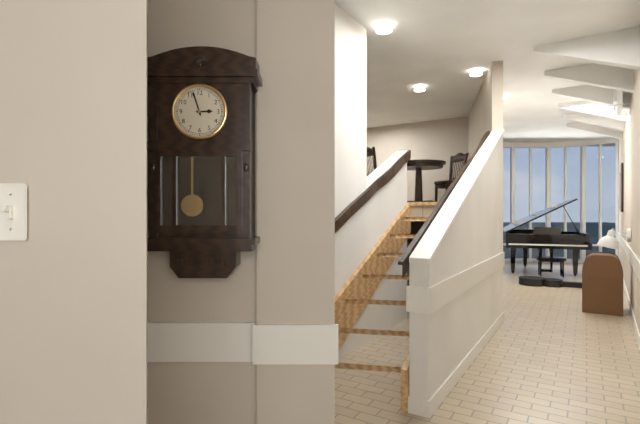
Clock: 2:57
